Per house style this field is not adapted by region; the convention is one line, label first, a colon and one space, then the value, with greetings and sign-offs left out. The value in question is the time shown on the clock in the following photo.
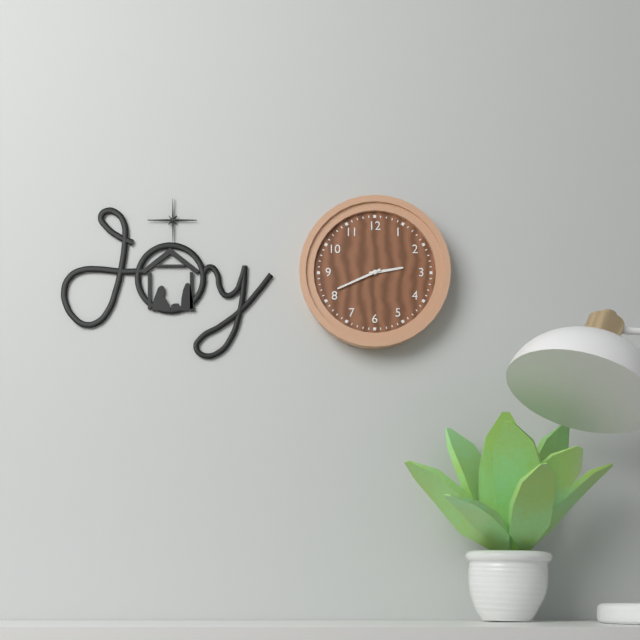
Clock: 2:41
